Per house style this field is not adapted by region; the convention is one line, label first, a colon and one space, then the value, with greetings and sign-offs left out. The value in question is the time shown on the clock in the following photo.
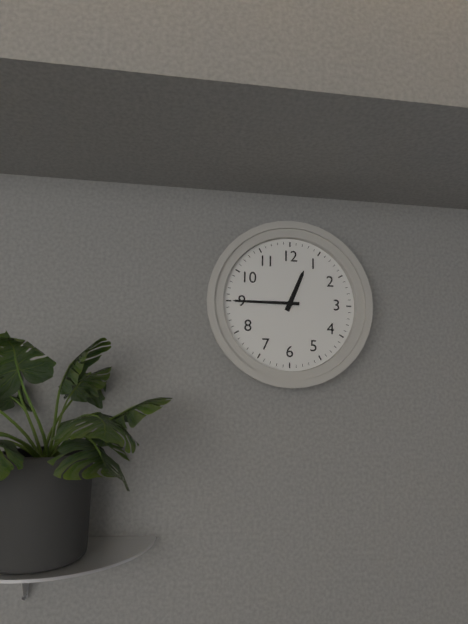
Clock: 12:45
